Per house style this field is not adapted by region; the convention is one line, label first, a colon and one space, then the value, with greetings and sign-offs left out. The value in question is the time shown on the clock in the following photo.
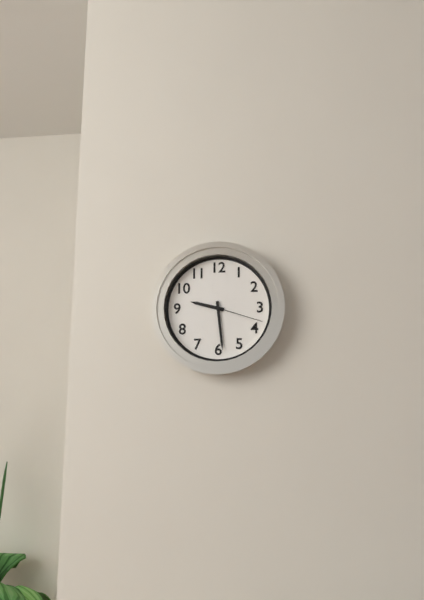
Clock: 9:29:18
